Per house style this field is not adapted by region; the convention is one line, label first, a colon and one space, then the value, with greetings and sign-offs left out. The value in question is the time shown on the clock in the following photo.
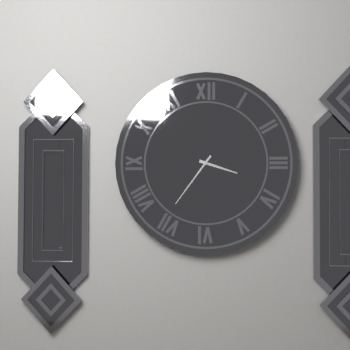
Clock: 3:36
